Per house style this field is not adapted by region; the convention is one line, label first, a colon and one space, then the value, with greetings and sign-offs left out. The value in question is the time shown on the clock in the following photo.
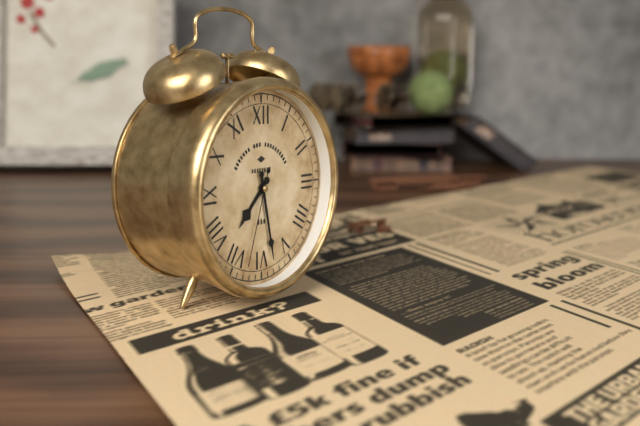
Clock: 7:28:33
